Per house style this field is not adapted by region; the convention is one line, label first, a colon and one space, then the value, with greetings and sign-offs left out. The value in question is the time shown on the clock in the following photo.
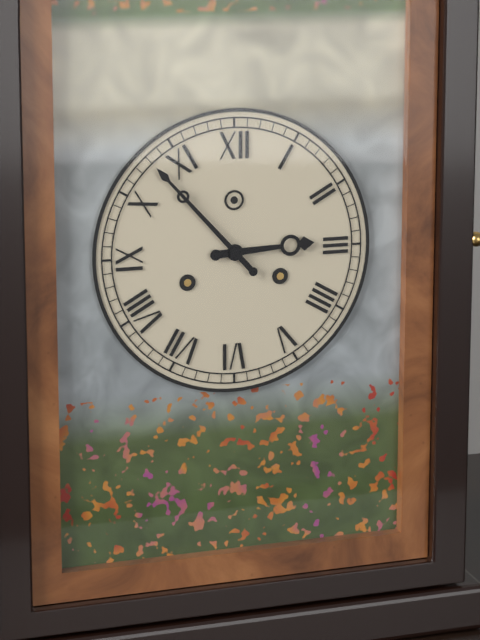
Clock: 2:53
